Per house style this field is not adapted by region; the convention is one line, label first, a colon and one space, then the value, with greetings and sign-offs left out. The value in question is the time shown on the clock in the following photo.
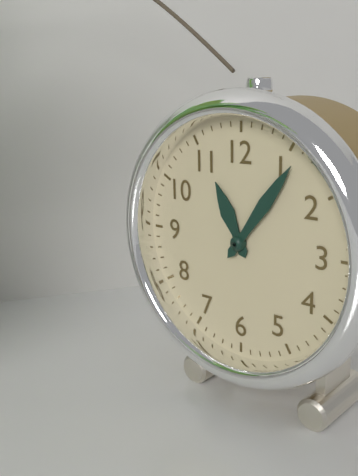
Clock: 11:06
